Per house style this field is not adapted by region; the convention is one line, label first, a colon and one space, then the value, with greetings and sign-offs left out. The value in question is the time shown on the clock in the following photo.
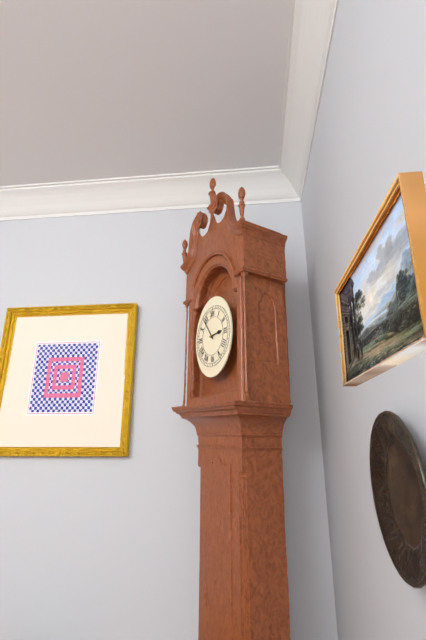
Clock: 2:54
